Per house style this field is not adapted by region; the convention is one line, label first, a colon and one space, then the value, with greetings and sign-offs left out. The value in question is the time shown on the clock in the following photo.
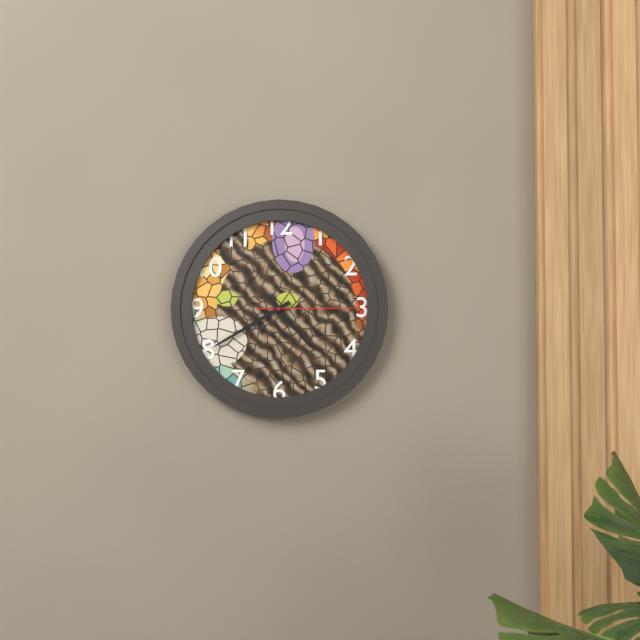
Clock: 4:40:15
